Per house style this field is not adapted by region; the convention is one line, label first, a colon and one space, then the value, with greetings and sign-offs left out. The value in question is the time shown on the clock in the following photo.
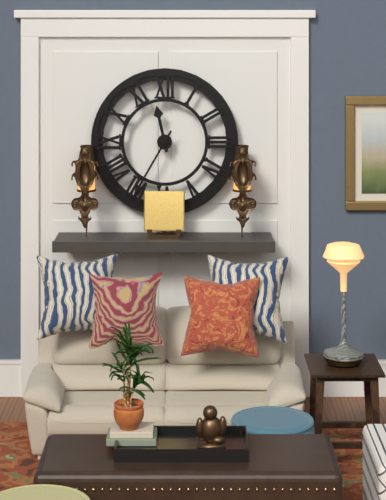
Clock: 11:35
